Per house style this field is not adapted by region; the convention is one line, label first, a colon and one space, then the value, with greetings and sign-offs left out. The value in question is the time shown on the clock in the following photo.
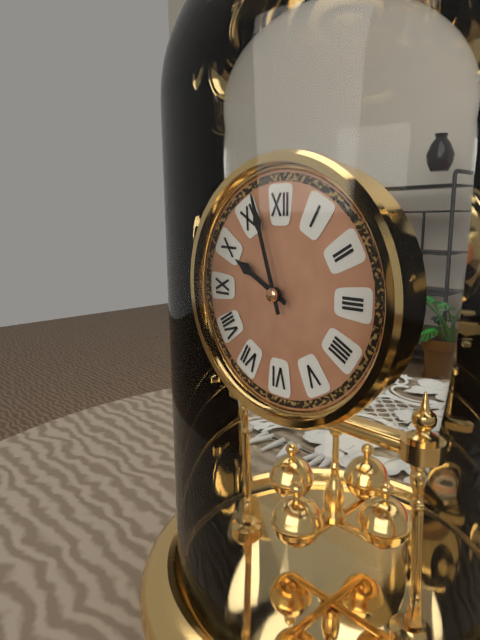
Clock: 9:57
